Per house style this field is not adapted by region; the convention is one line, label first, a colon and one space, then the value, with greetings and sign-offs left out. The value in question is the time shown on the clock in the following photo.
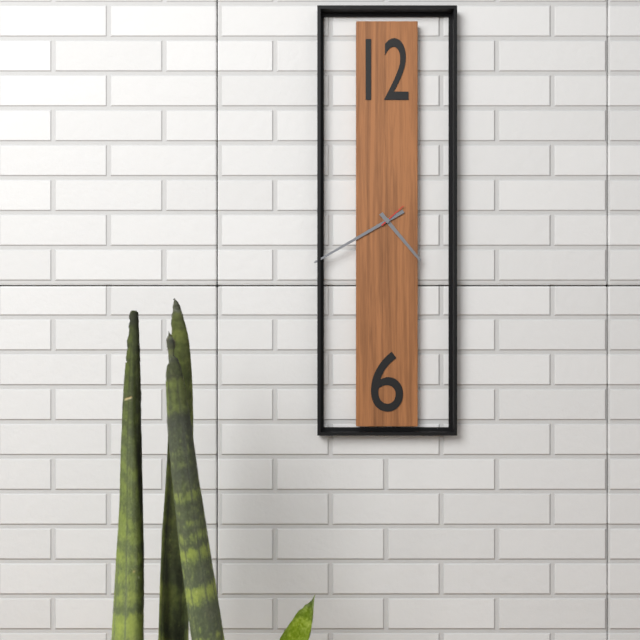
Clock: 4:40
